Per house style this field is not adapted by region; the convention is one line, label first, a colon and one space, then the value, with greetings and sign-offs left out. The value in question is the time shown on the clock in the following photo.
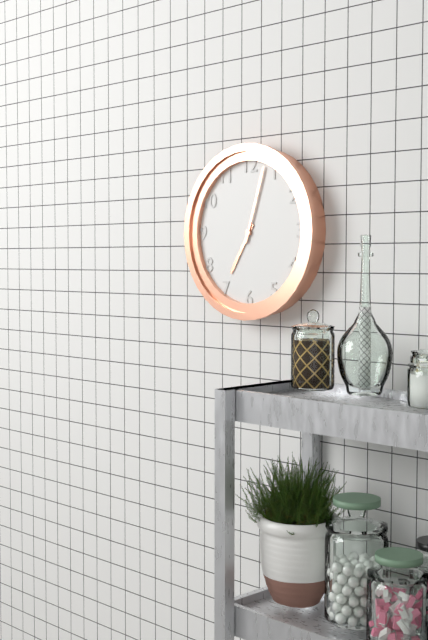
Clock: 7:03
